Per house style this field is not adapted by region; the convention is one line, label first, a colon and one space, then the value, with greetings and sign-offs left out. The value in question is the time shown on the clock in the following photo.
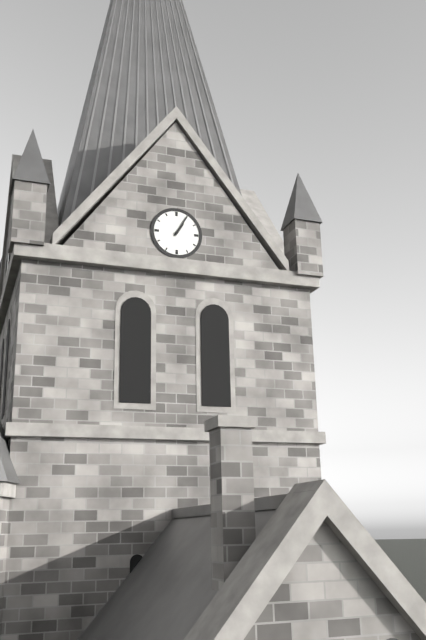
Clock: 1:05
